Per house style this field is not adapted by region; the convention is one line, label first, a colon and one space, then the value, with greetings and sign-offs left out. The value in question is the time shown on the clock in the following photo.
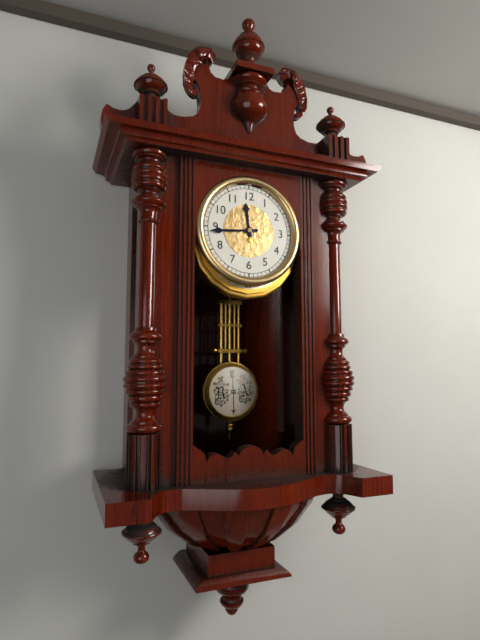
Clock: 11:44
